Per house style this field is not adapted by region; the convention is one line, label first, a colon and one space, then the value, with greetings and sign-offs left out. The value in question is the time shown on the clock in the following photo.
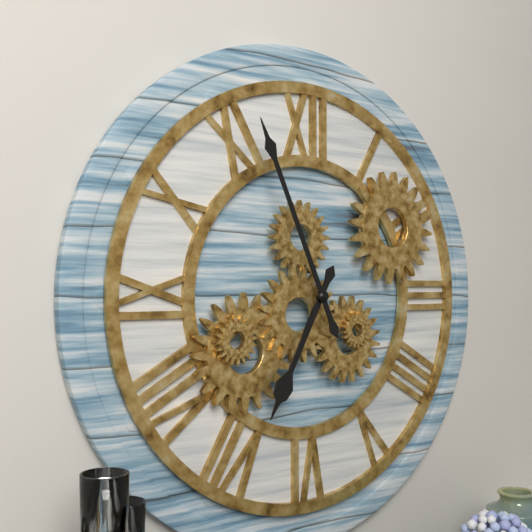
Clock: 6:56
